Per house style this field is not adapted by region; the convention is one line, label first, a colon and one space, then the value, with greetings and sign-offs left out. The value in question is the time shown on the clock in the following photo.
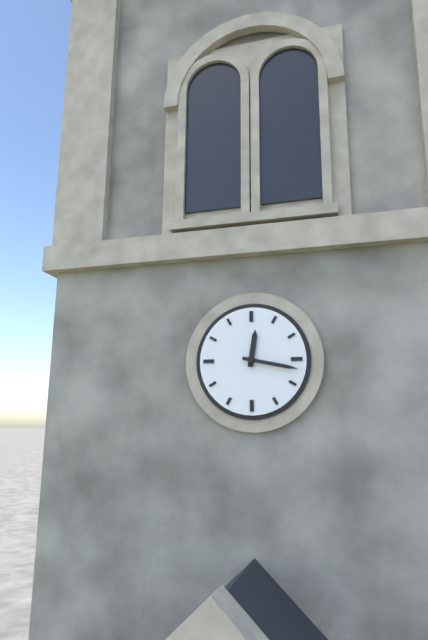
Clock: 12:17
